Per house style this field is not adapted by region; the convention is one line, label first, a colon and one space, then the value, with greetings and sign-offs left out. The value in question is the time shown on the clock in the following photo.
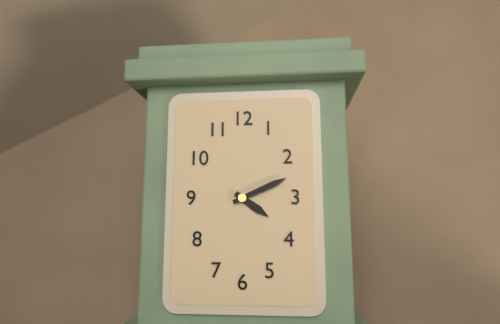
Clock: 4:11
